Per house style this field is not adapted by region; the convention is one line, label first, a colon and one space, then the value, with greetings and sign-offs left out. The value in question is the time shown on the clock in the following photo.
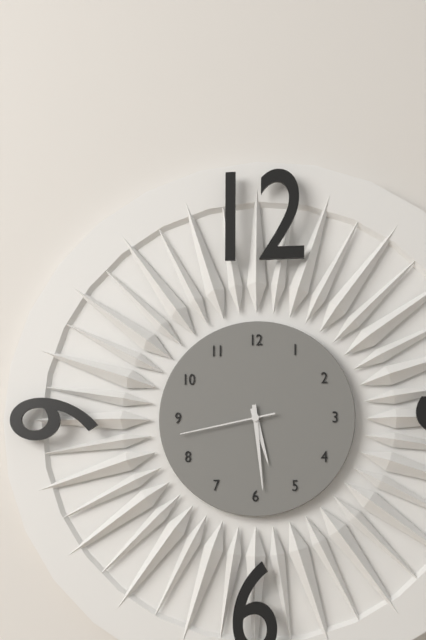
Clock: 5:29:43
